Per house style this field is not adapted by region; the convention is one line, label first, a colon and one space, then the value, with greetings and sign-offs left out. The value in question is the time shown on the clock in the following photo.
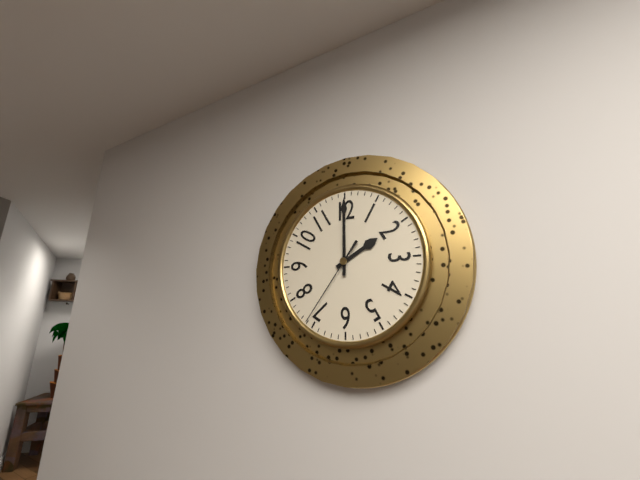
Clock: 2:00:36
